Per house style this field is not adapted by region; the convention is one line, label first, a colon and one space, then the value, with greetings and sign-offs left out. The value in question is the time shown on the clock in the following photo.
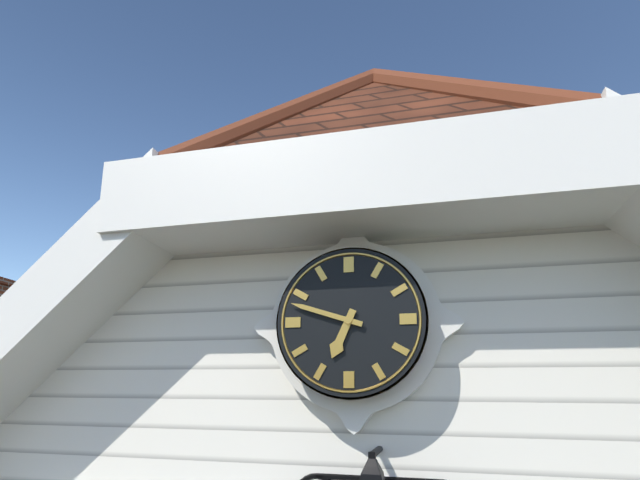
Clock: 6:48
